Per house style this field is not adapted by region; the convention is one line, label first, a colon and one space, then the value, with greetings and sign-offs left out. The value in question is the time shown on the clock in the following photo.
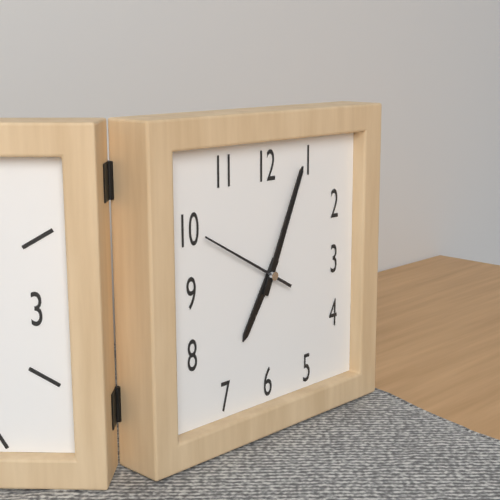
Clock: 7:04:50
